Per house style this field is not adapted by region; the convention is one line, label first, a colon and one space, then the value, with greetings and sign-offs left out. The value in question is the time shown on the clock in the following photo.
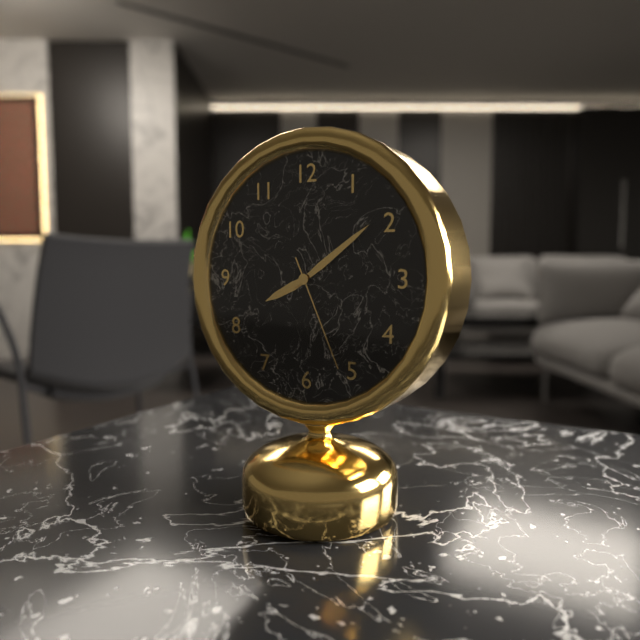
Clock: 8:09:26
